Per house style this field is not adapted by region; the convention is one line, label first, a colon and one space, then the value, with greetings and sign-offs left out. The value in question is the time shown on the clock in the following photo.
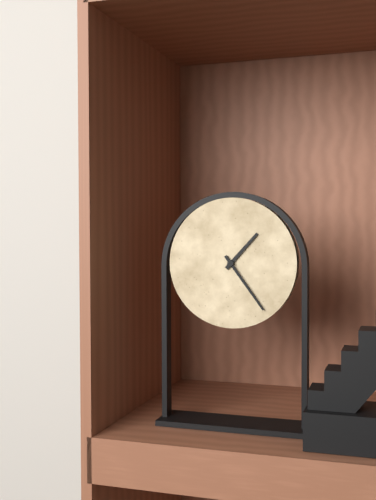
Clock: 1:24
